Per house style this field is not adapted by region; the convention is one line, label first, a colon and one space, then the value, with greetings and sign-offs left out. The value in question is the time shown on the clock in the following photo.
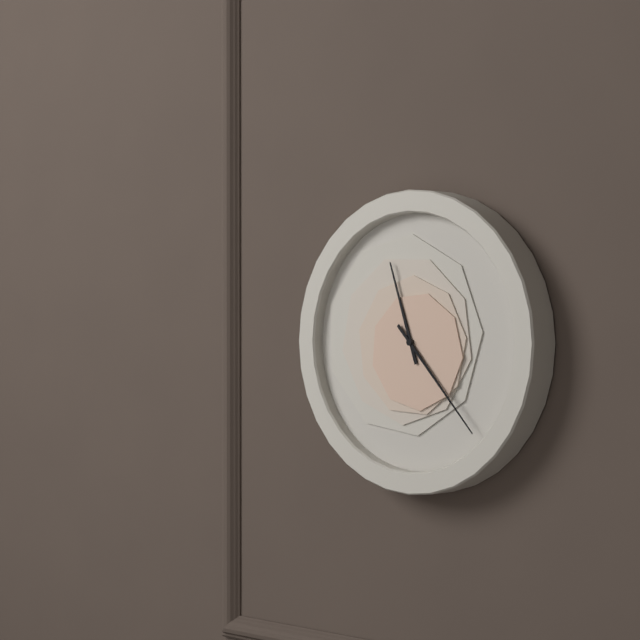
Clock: 11:23
